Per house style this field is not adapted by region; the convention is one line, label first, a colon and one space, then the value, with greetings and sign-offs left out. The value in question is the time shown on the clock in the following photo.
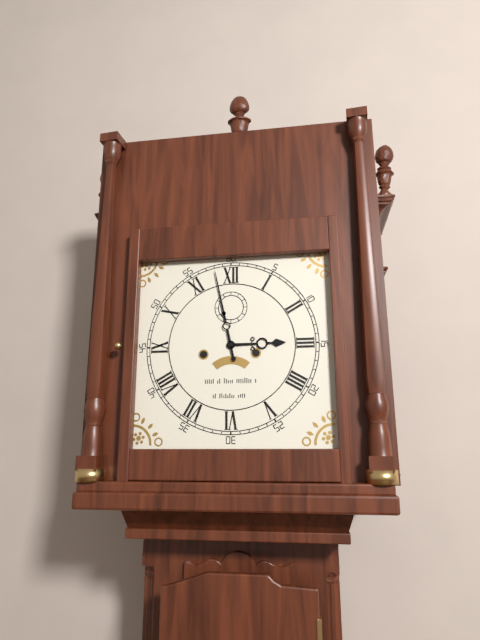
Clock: 2:58
